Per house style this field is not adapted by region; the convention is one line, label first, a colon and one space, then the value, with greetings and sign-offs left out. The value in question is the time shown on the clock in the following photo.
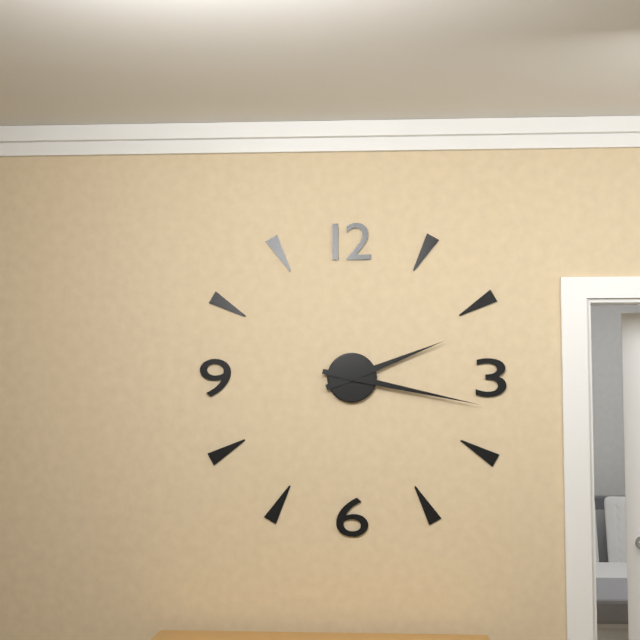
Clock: 2:17
